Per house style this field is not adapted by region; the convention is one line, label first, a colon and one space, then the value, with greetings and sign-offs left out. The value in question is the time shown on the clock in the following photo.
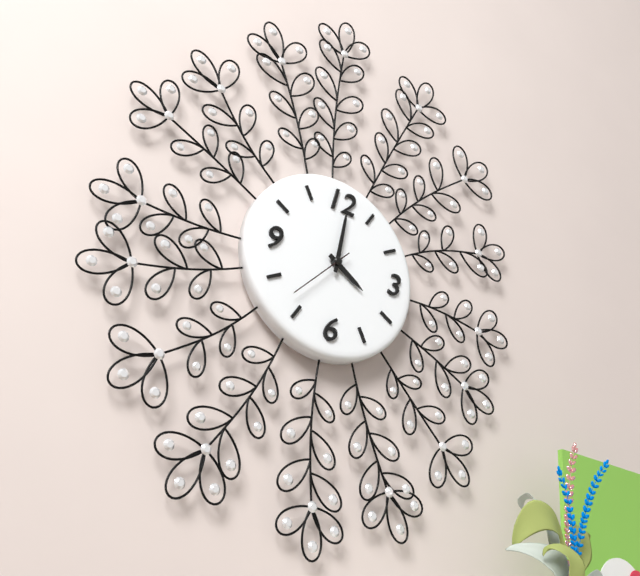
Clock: 4:01:37
